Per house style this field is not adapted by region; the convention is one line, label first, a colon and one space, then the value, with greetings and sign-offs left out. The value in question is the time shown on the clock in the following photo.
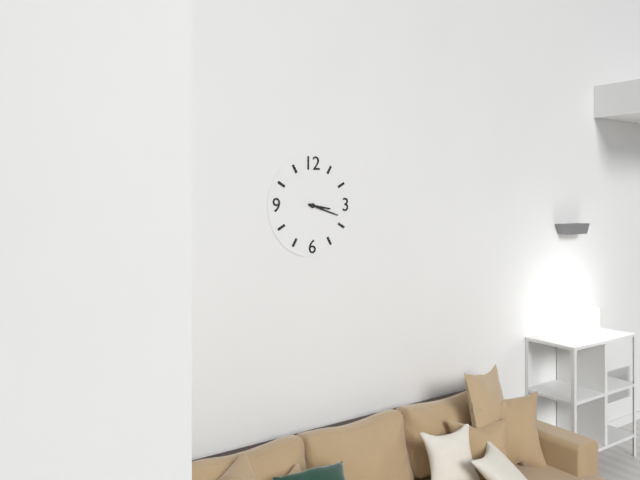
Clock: 3:18
